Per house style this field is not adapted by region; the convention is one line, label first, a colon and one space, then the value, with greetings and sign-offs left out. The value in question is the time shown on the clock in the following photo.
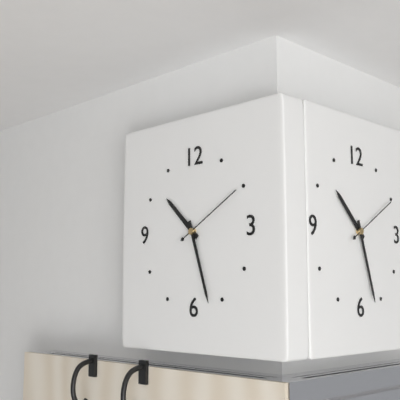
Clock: 10:27:10
